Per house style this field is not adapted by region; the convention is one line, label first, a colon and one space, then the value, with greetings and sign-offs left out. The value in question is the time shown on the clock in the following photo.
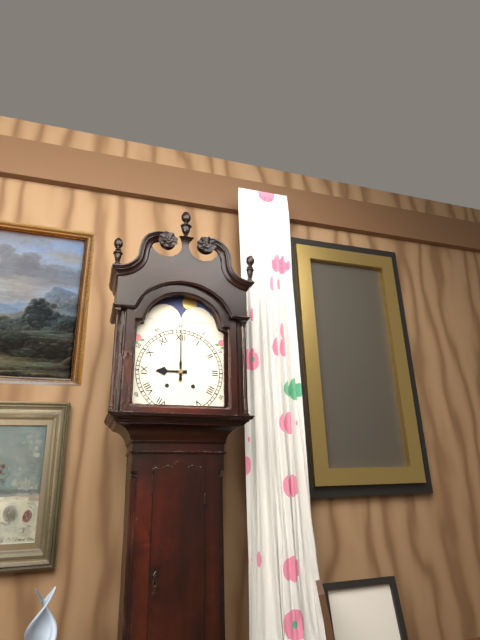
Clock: 9:00
